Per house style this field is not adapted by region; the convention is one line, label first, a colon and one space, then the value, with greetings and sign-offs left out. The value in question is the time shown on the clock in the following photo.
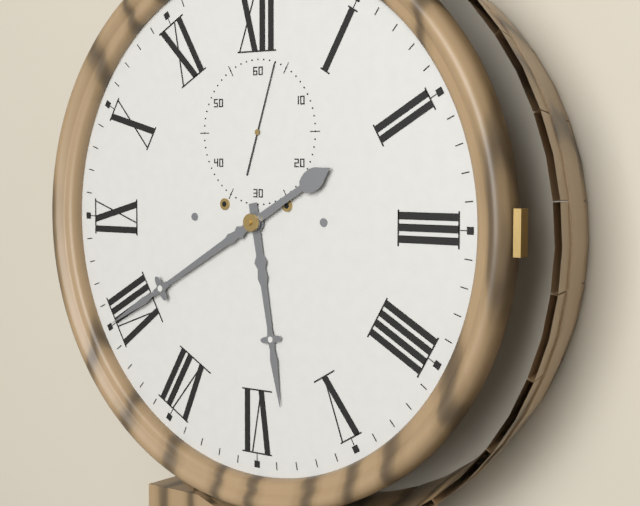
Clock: 5:40:03
